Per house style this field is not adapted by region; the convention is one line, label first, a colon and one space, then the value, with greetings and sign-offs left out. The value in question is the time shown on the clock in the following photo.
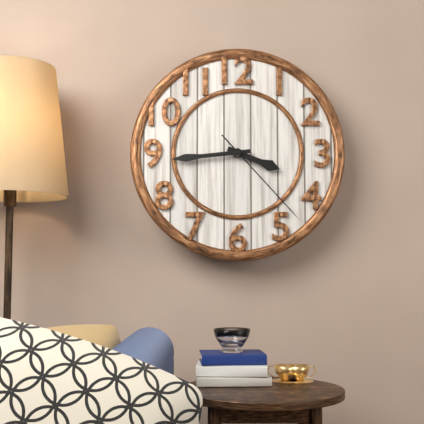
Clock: 3:44:23
